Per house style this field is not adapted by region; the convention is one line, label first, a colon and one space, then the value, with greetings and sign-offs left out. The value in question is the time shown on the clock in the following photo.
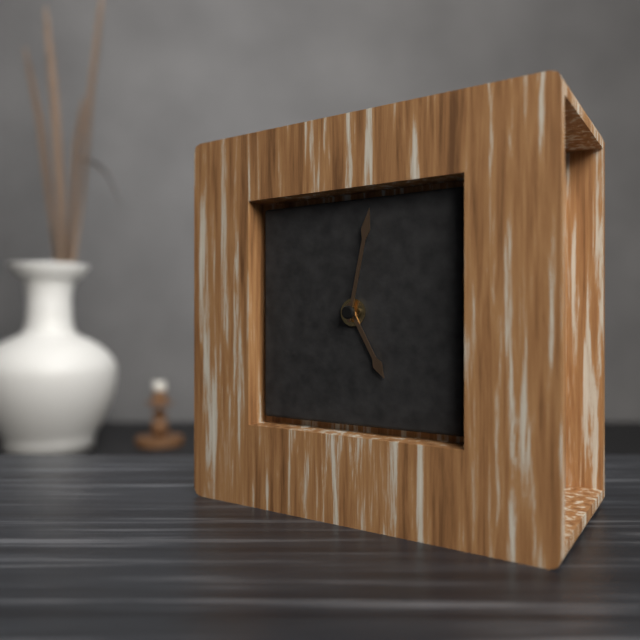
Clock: 5:02
